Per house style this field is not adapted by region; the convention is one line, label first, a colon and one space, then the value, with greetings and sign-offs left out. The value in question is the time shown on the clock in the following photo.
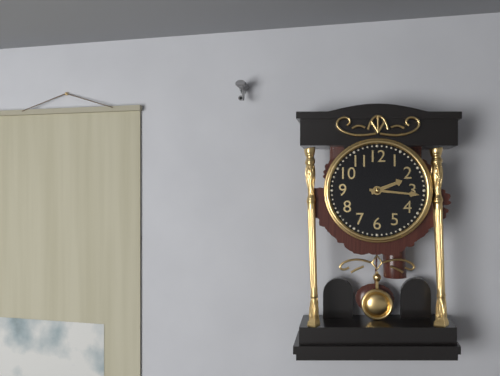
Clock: 2:16
